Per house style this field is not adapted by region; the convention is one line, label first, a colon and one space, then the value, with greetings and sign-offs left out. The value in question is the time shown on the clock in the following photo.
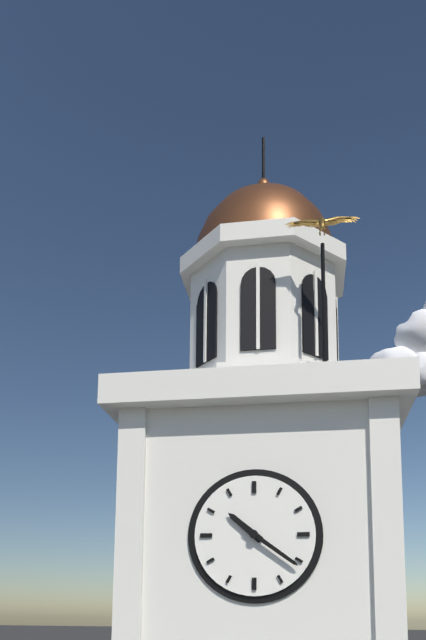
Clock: 10:21
